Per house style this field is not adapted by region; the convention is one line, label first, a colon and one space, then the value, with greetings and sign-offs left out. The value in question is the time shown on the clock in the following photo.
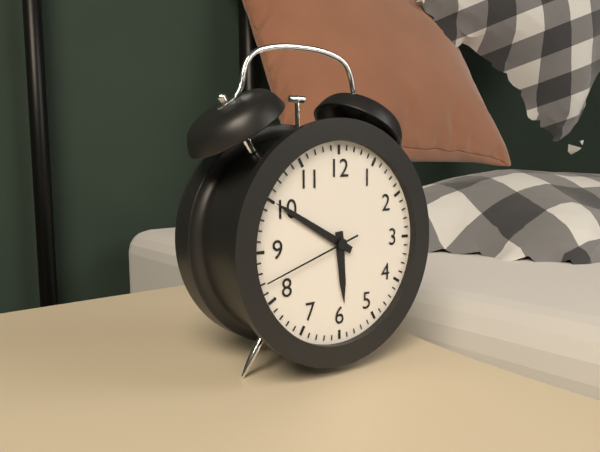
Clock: 5:50:42
